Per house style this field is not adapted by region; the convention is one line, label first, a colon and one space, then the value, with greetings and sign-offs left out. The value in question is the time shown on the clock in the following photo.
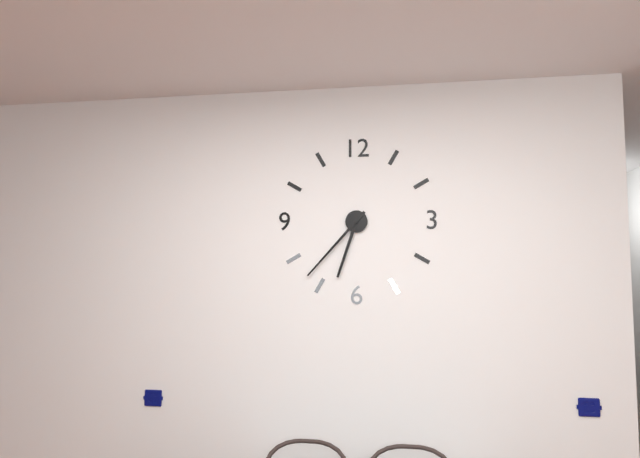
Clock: 6:37
